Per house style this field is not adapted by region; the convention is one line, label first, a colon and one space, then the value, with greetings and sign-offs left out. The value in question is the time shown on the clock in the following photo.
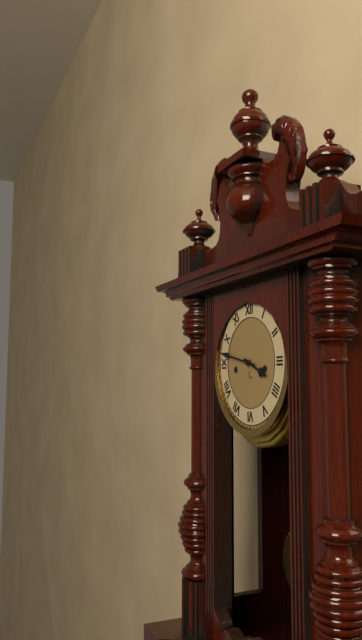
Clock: 3:47
